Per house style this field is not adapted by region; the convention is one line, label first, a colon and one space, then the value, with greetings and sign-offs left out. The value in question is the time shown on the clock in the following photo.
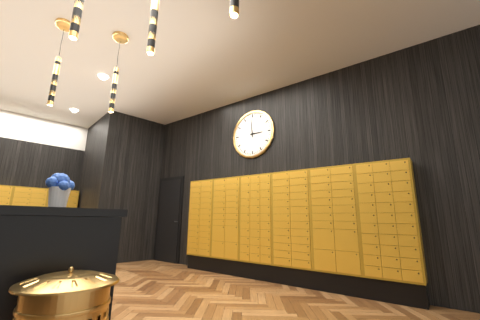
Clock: 2:59
